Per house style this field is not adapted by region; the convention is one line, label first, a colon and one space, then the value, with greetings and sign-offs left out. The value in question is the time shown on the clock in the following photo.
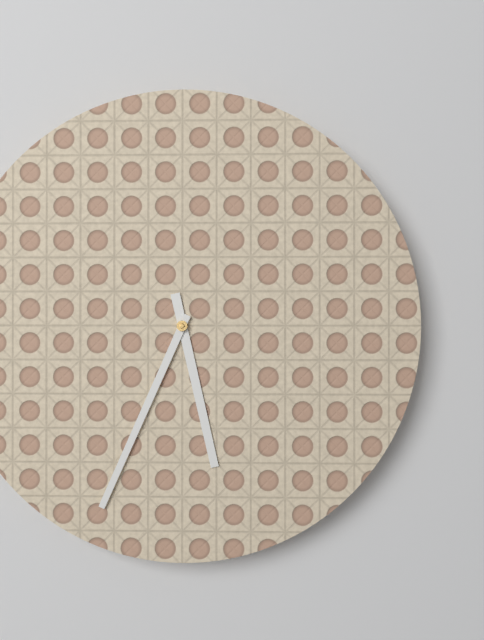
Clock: 5:34
